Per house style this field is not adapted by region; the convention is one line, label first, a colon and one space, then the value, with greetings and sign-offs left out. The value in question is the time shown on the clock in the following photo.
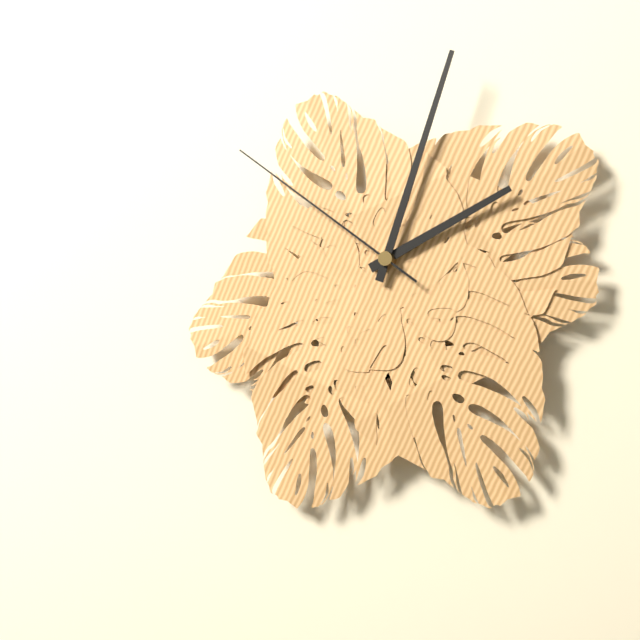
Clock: 2:03:51
